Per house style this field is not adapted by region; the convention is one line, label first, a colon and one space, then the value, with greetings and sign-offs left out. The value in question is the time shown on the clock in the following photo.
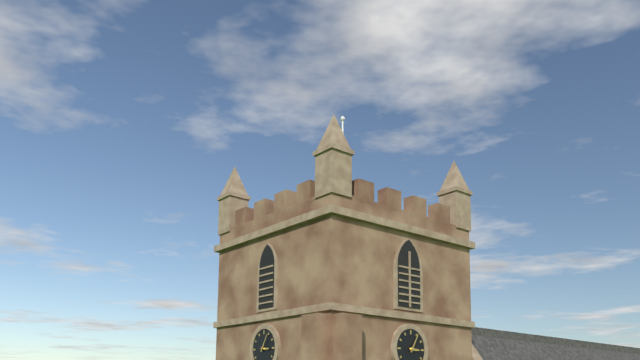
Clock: 3:05
